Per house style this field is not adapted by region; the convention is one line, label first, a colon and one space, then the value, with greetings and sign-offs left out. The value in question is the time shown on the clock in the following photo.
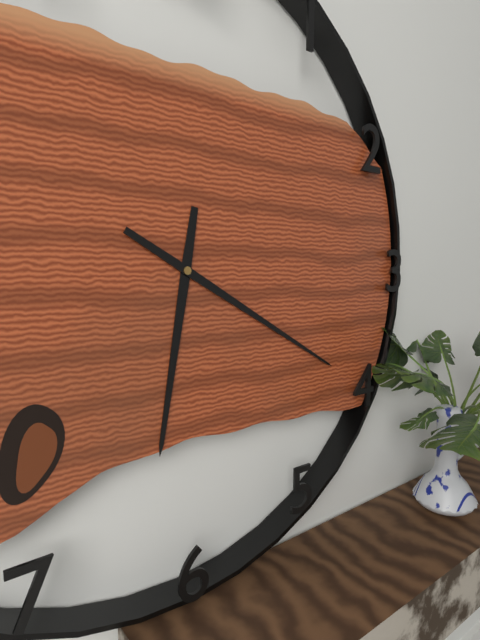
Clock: 6:20
